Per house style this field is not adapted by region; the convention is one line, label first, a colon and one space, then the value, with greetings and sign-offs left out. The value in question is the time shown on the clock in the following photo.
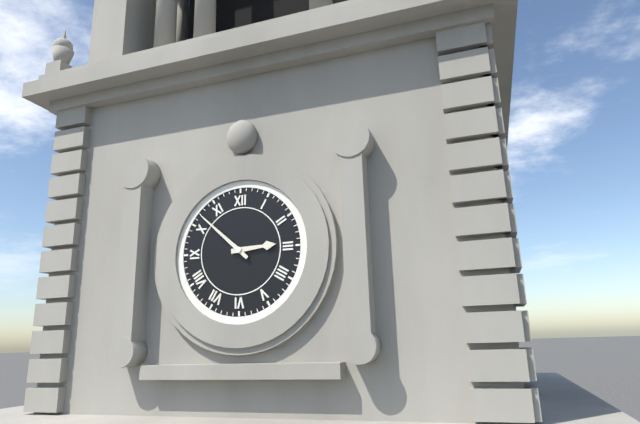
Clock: 2:52
